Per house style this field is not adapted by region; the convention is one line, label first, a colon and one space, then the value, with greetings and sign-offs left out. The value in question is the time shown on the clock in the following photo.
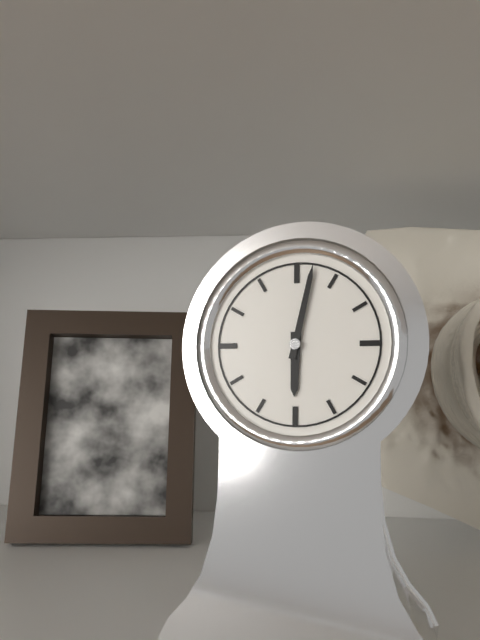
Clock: 6:02
